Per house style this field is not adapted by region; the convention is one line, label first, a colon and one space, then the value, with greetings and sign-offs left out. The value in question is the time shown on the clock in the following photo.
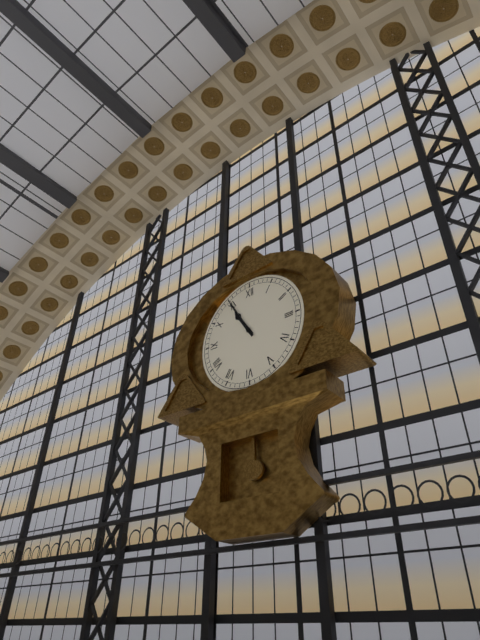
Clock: 10:55
